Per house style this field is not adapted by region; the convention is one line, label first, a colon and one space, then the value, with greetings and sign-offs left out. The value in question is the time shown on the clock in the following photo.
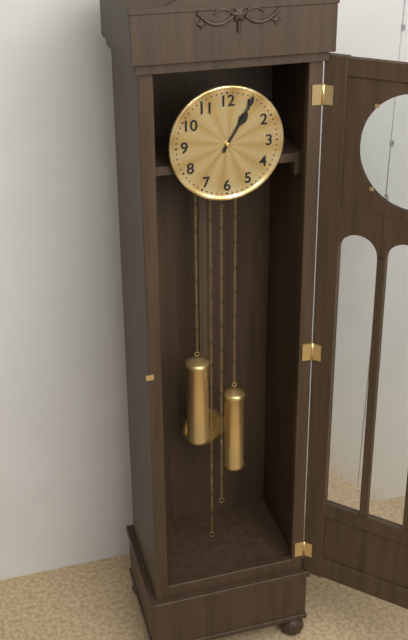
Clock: 1:05
